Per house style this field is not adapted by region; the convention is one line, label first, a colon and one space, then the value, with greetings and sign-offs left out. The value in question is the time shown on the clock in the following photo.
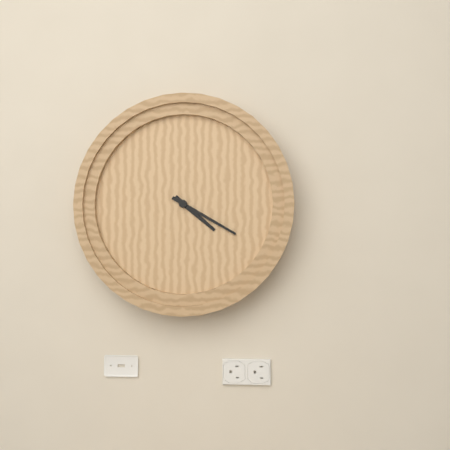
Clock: 4:20
